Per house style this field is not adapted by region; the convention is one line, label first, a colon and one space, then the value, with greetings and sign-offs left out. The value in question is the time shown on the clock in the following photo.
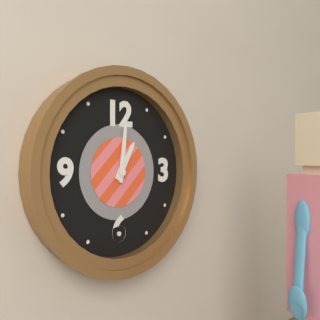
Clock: 1:01
